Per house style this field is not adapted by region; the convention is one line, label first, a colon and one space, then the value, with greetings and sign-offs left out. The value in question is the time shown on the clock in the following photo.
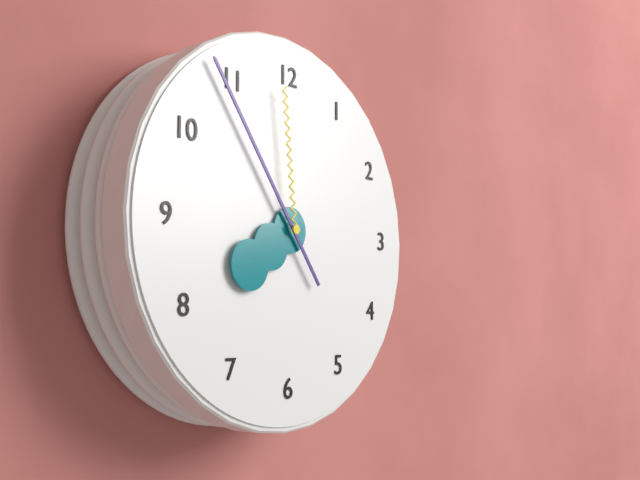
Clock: 7:54:59
